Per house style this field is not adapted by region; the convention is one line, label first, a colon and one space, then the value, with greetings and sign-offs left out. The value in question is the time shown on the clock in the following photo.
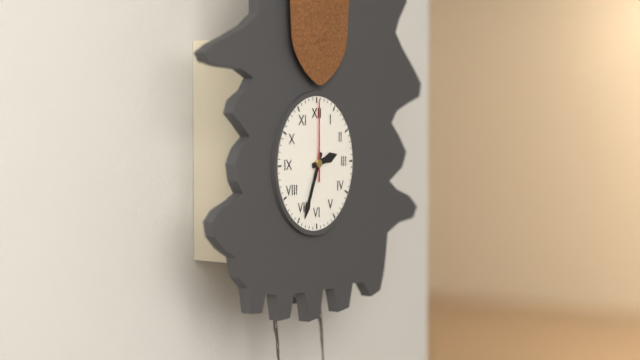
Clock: 2:34:00
